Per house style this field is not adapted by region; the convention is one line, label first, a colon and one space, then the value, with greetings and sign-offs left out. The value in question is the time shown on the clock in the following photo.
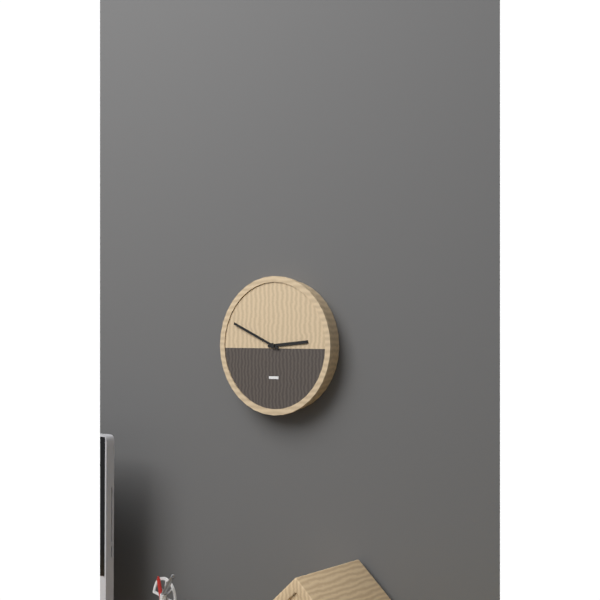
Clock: 2:49
